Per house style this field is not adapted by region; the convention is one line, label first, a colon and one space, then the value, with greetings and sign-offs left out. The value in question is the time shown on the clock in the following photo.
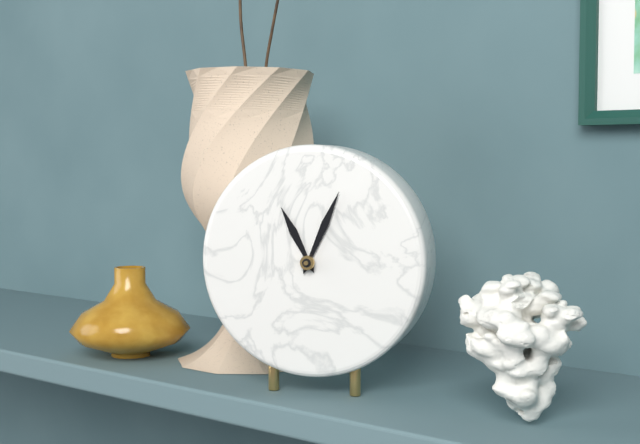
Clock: 11:04
